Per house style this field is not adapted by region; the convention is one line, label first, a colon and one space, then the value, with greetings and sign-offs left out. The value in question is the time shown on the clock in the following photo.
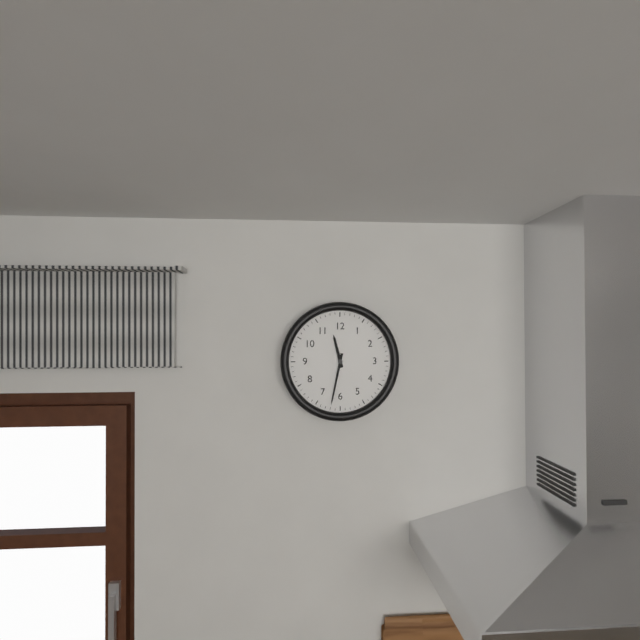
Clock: 11:32
